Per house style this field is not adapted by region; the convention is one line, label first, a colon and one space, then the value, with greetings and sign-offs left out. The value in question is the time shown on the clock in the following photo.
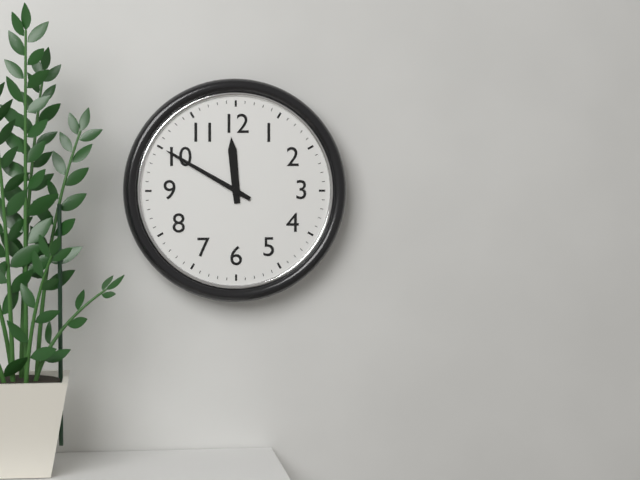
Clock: 11:50
